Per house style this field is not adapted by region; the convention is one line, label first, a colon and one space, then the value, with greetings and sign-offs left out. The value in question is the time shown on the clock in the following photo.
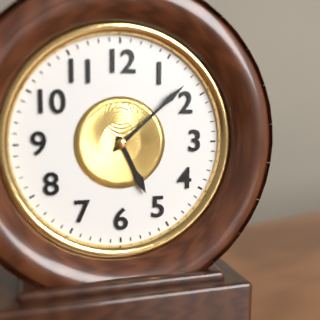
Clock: 5:08
